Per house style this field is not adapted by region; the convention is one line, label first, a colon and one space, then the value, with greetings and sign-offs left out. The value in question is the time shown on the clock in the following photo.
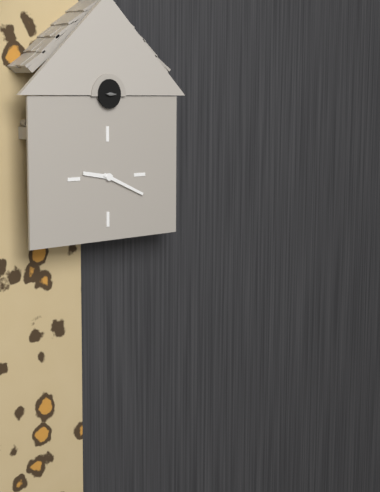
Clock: 9:19
